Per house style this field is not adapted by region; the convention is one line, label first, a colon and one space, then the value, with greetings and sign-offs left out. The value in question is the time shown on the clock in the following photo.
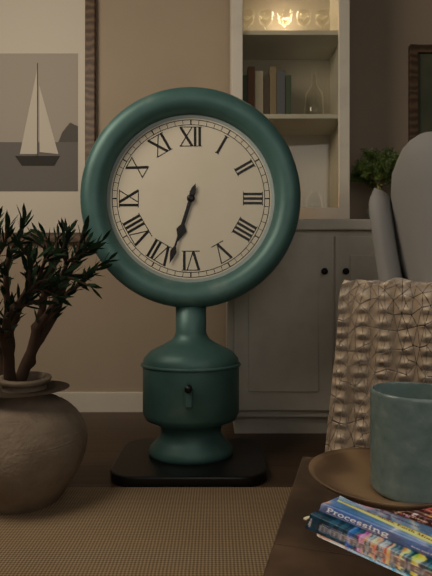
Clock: 6:33
